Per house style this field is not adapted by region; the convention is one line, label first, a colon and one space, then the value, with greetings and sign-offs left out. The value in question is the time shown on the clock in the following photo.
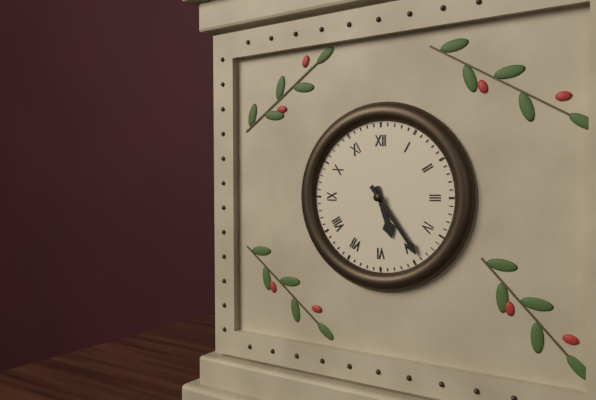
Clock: 5:24
